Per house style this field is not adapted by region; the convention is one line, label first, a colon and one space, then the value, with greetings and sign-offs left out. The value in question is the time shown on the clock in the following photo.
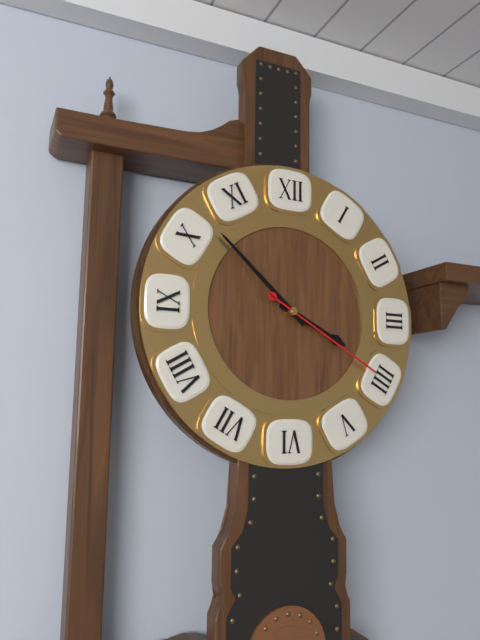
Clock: 3:52:20
